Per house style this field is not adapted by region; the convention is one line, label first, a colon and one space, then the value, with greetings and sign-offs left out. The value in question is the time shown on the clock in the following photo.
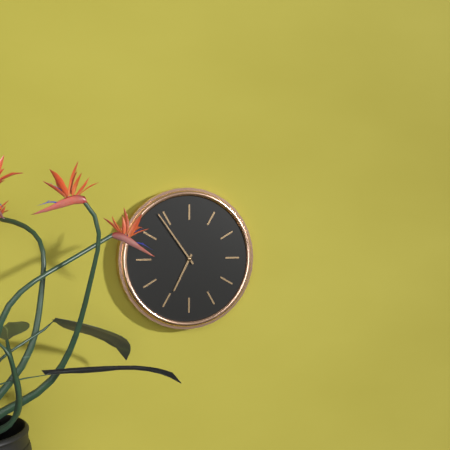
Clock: 6:54
